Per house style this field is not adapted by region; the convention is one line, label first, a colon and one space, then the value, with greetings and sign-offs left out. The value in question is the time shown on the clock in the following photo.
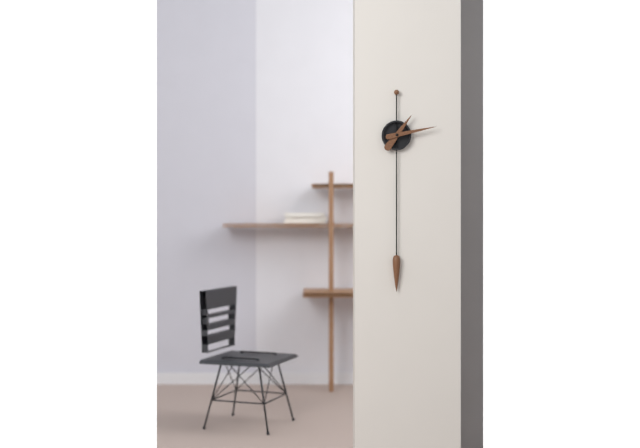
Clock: 1:13
